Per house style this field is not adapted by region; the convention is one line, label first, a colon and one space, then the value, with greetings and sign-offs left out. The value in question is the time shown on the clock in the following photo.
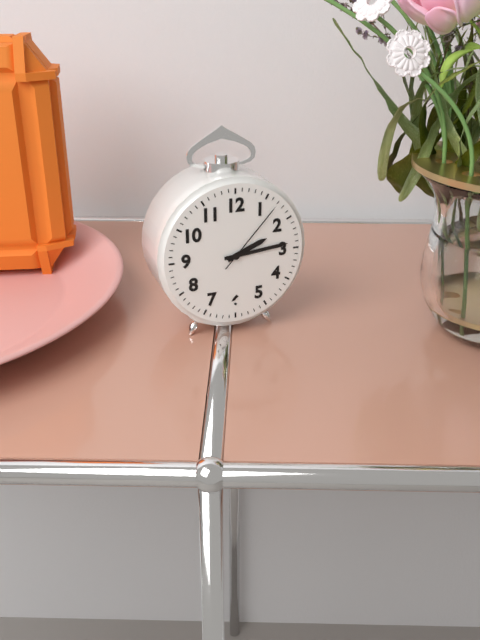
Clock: 2:14:07
